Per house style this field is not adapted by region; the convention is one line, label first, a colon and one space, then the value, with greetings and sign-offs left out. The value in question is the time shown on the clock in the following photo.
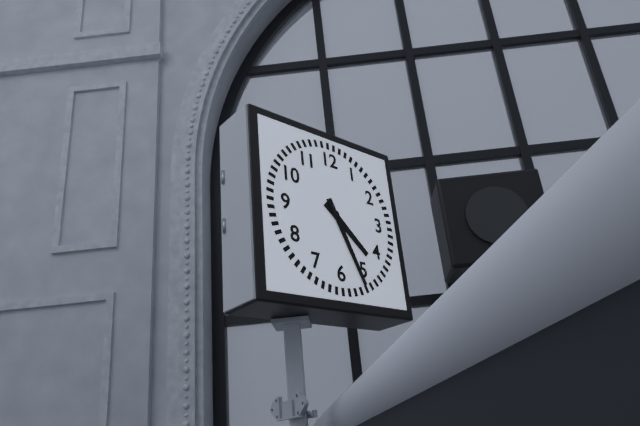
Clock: 4:26
